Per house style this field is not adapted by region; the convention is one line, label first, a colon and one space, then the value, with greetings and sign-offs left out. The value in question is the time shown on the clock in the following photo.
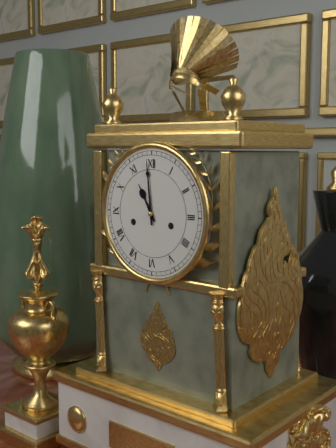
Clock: 10:59
